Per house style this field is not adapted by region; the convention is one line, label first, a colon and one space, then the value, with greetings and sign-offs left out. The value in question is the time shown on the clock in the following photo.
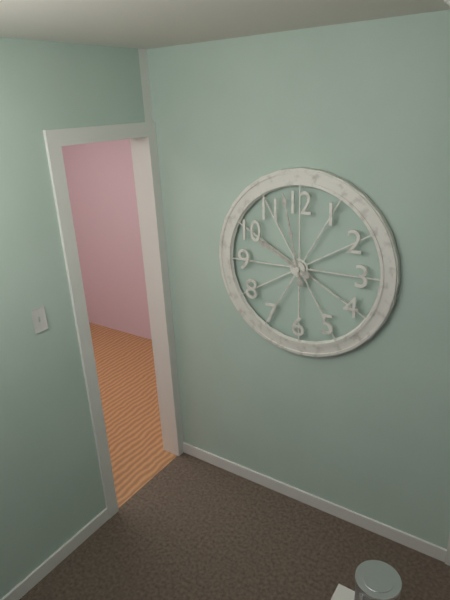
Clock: 9:58
